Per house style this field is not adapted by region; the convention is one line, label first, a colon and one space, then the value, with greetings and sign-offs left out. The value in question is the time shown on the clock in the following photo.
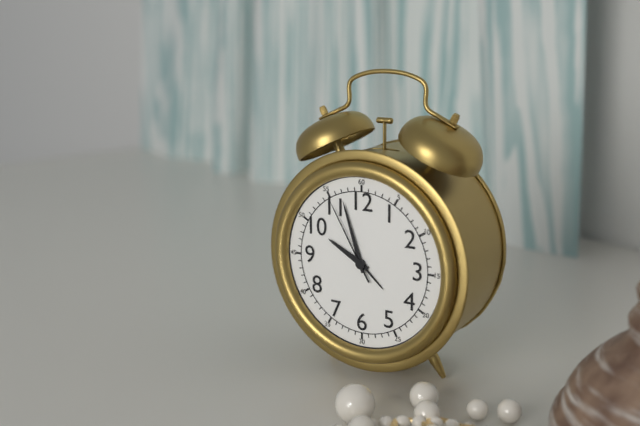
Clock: 9:57:55
